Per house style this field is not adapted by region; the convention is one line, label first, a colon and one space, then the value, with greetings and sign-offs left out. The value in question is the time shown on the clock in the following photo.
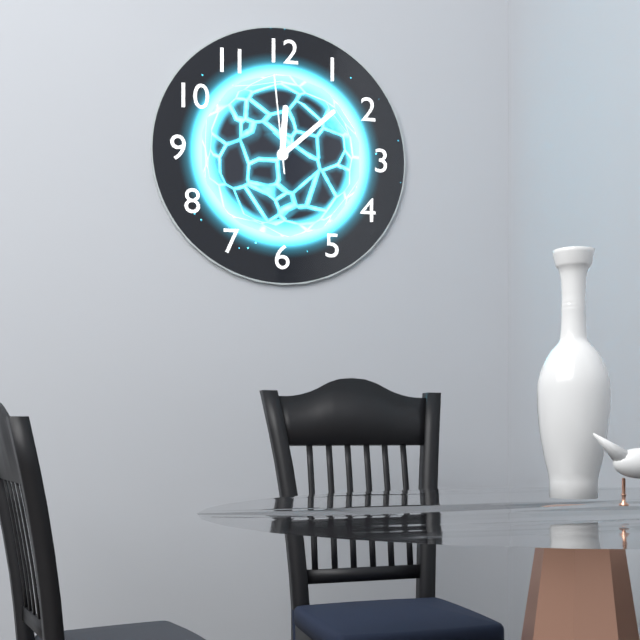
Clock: 12:08:59
